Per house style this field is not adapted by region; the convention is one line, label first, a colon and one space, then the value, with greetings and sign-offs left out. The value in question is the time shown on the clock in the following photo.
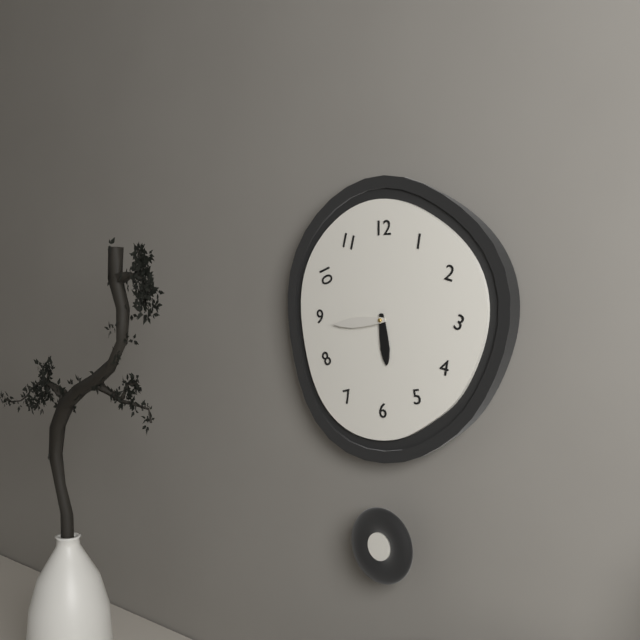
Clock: 5:44
